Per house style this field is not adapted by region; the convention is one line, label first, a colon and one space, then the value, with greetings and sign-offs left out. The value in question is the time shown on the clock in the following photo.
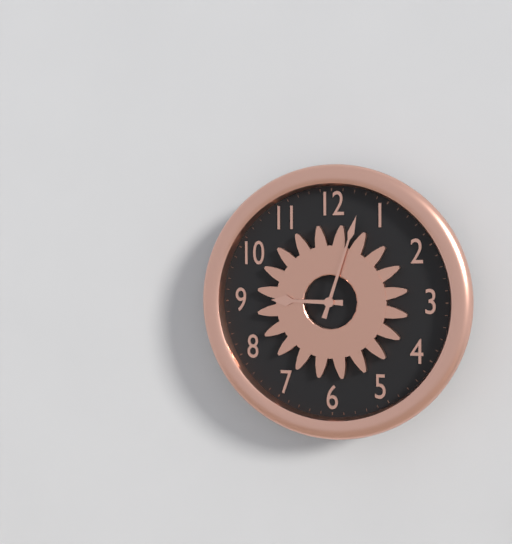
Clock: 9:03
